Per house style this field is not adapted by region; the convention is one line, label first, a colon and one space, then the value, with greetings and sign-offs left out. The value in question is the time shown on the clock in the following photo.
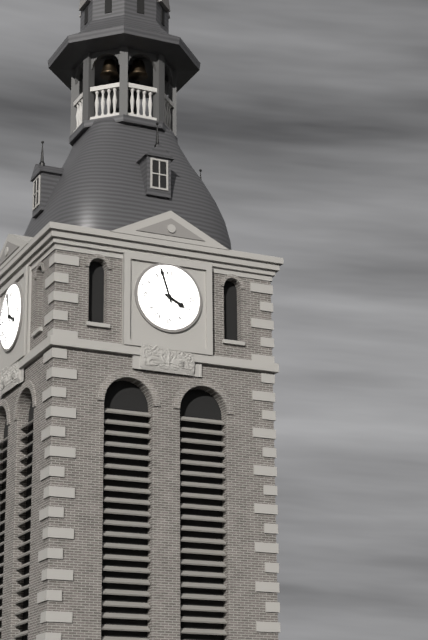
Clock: 3:57
